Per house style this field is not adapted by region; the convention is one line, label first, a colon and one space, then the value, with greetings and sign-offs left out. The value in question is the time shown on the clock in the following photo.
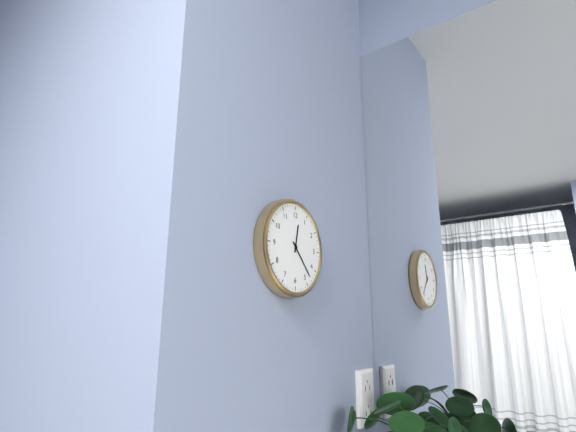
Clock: 12:23
